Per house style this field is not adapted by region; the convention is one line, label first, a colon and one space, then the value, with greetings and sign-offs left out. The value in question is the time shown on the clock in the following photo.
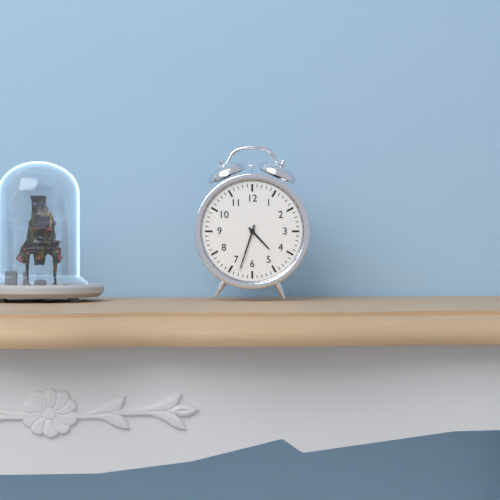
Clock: 4:33
